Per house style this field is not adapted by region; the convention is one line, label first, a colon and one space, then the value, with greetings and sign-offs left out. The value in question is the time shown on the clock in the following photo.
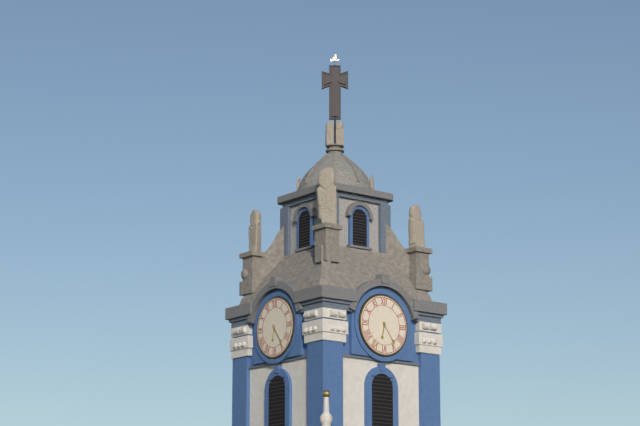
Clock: 6:24
